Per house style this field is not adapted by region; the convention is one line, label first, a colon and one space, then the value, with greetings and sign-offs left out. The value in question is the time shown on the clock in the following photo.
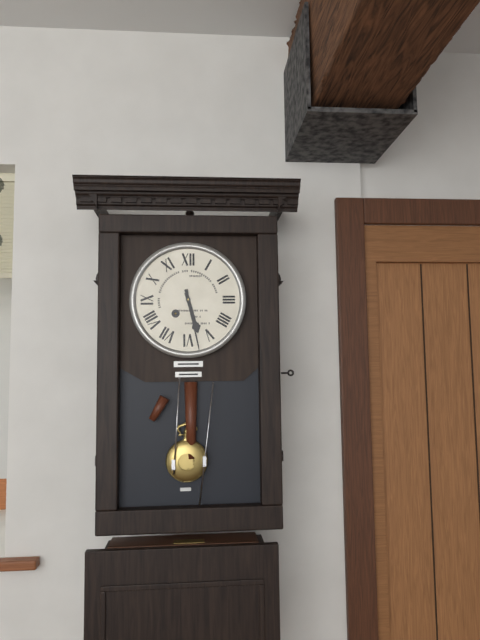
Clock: 5:28
